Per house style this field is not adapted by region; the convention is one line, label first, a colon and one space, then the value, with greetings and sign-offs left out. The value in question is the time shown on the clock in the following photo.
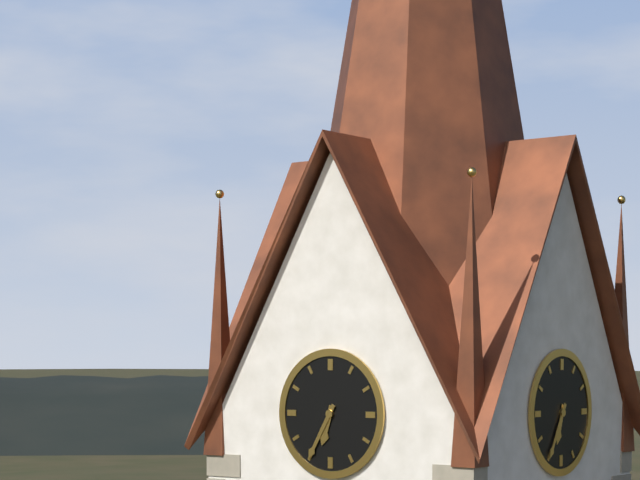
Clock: 6:35
